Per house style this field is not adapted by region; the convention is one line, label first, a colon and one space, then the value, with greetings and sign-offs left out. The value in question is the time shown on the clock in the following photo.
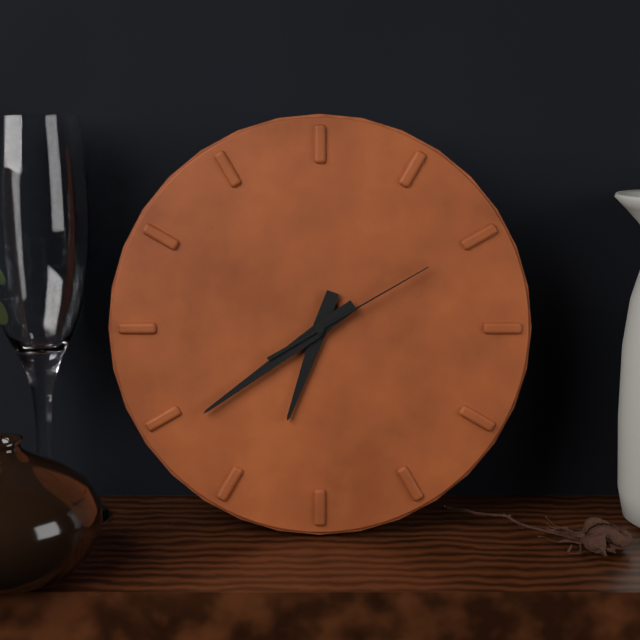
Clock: 6:39:10
